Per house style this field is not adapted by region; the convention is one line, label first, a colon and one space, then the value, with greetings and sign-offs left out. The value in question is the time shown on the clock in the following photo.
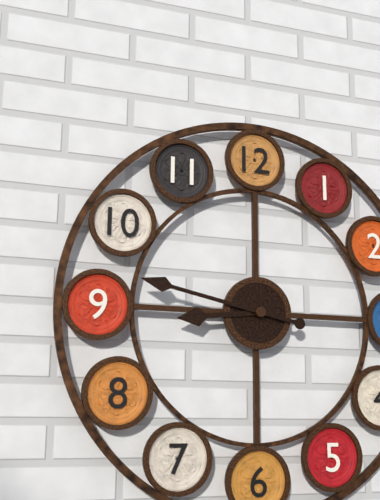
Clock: 8:47
